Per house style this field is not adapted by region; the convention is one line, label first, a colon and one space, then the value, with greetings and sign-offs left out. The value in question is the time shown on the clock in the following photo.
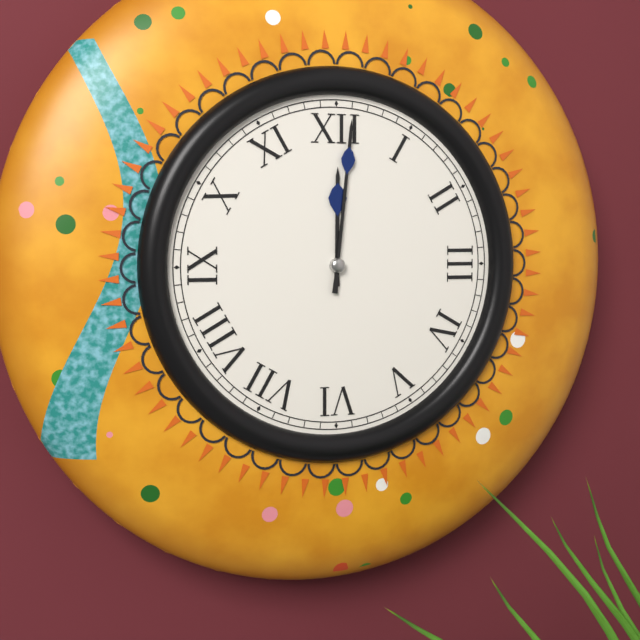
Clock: 12:01
